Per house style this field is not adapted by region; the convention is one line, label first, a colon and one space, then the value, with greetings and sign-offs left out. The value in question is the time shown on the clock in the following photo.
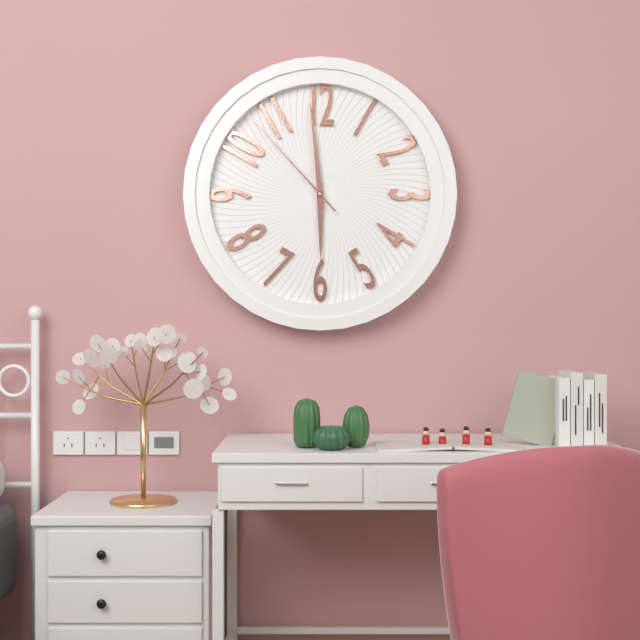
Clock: 5:59:53
